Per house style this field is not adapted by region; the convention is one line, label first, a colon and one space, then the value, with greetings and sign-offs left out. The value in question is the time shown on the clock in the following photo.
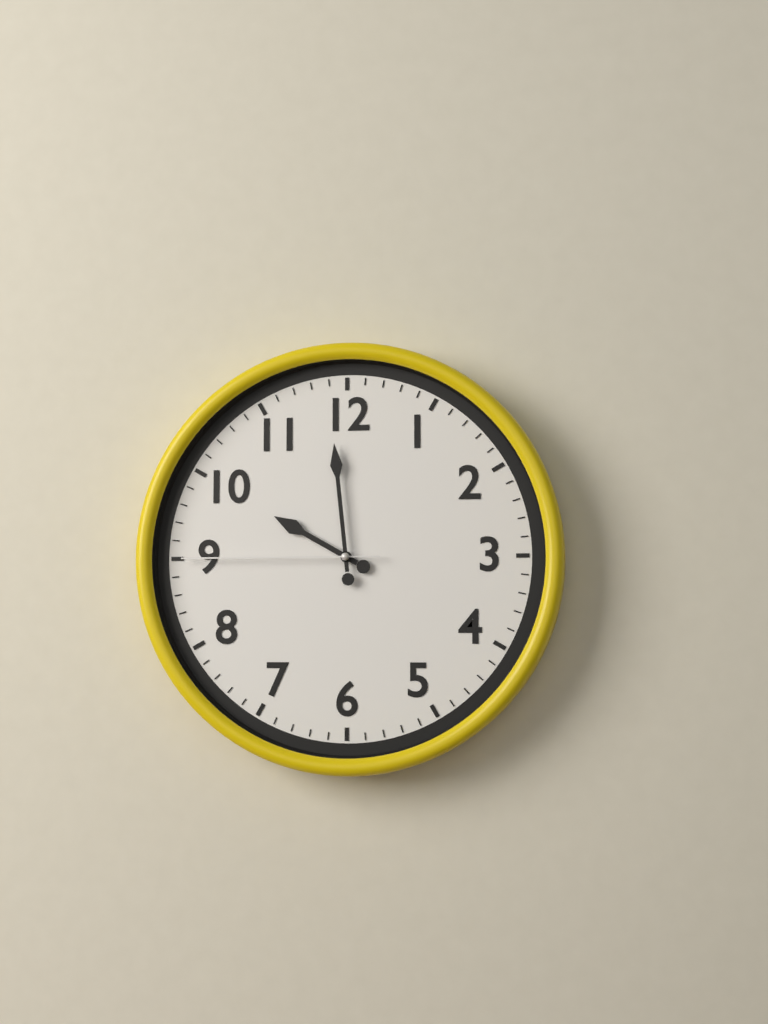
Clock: 9:59:45
